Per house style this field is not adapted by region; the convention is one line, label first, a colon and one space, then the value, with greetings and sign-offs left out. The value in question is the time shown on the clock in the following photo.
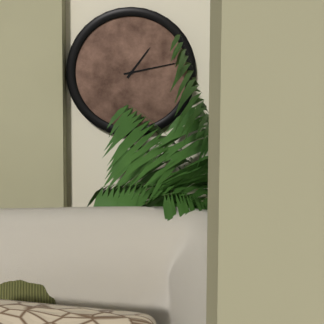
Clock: 1:13
